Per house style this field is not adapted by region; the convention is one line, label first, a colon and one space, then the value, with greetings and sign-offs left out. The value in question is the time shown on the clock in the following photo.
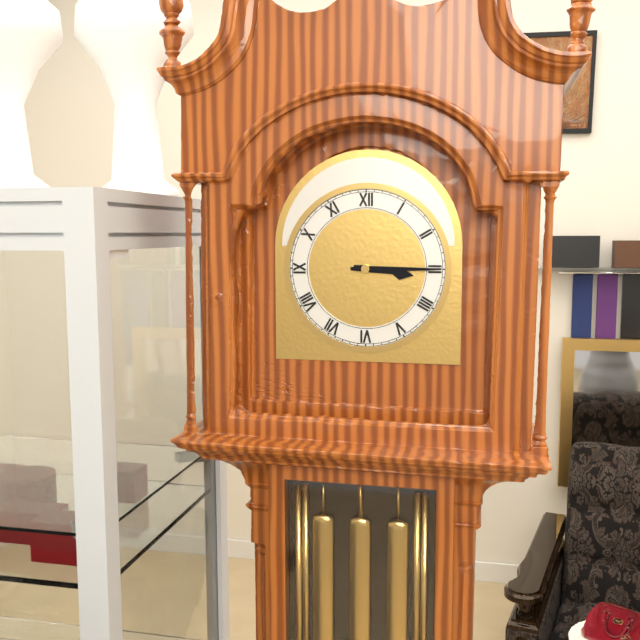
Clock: 3:15
